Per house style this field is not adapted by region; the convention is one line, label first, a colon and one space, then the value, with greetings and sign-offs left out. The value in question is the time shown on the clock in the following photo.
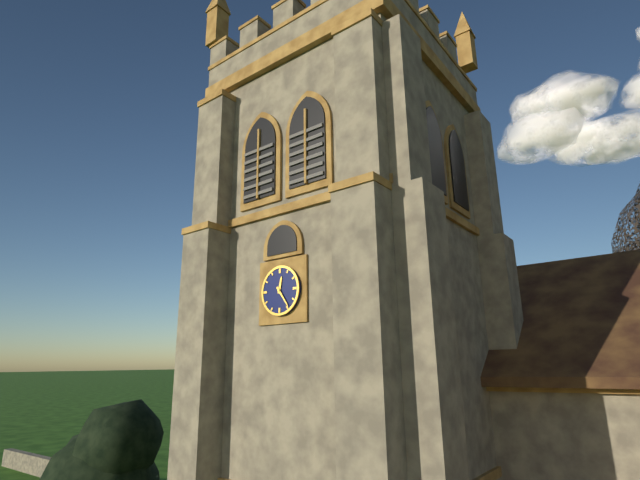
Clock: 12:24
